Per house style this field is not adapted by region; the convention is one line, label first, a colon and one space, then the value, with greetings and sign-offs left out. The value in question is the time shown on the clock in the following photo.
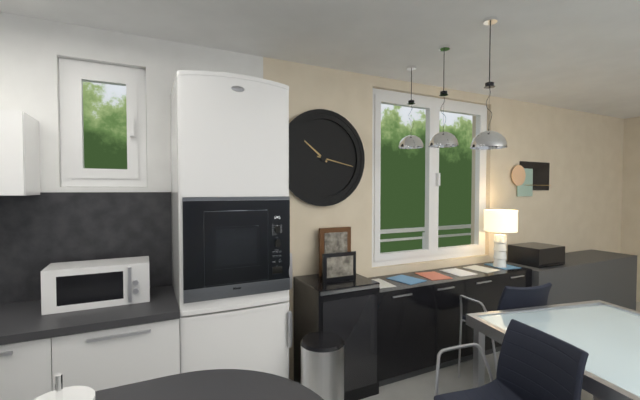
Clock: 10:17
